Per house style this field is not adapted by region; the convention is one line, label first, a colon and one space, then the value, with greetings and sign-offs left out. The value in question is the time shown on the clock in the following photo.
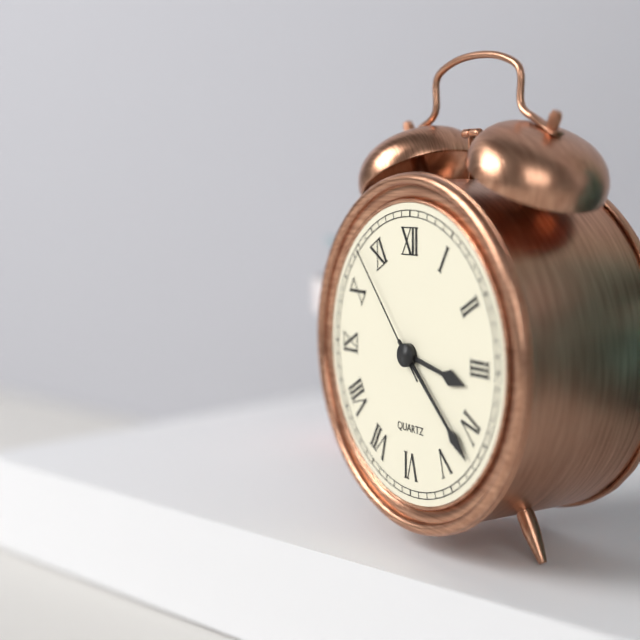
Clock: 3:22:53
